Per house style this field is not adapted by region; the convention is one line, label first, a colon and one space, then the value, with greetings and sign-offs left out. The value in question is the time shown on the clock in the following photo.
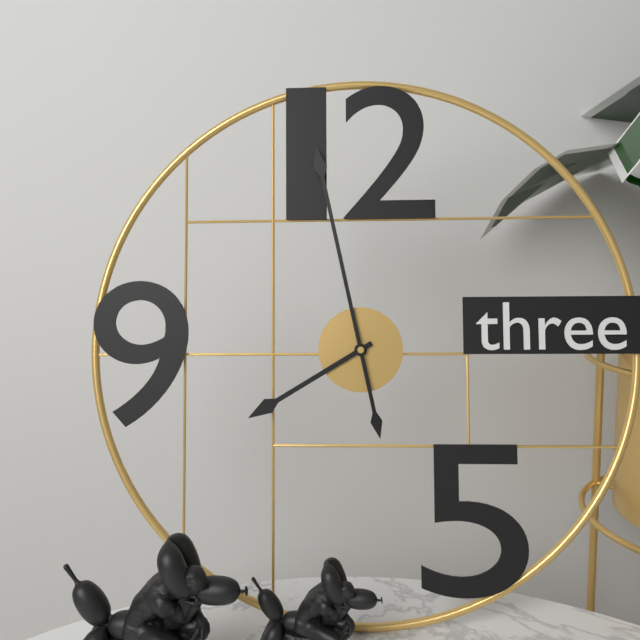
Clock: 7:58
